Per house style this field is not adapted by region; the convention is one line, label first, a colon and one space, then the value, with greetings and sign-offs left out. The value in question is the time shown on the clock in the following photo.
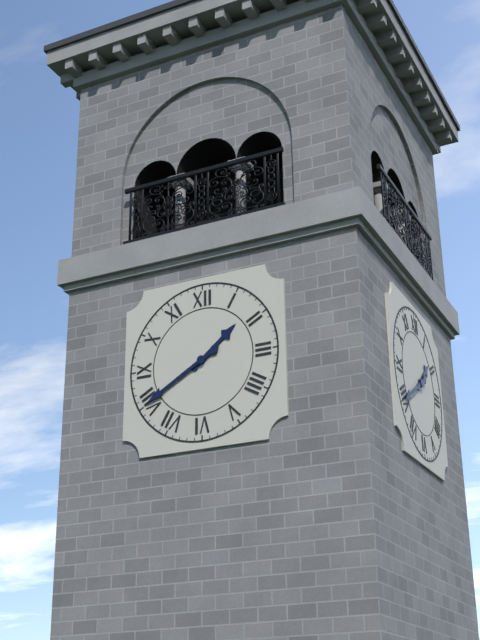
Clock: 1:40
